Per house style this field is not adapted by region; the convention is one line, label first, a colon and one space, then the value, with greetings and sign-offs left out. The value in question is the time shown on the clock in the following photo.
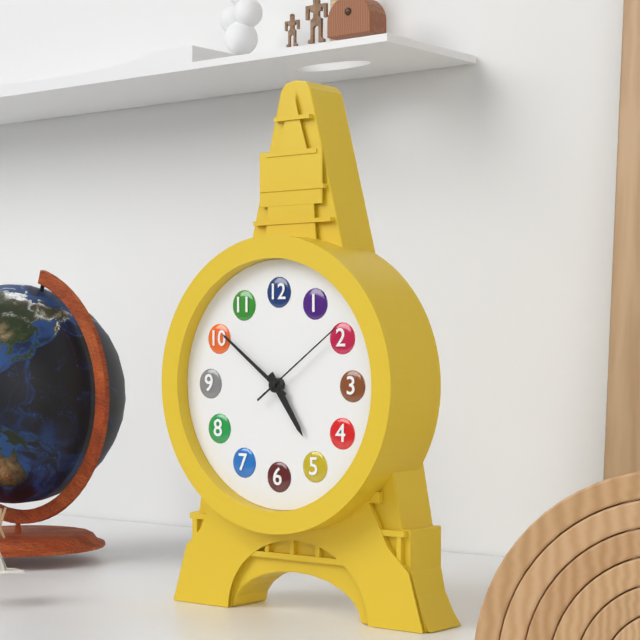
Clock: 4:51:09
